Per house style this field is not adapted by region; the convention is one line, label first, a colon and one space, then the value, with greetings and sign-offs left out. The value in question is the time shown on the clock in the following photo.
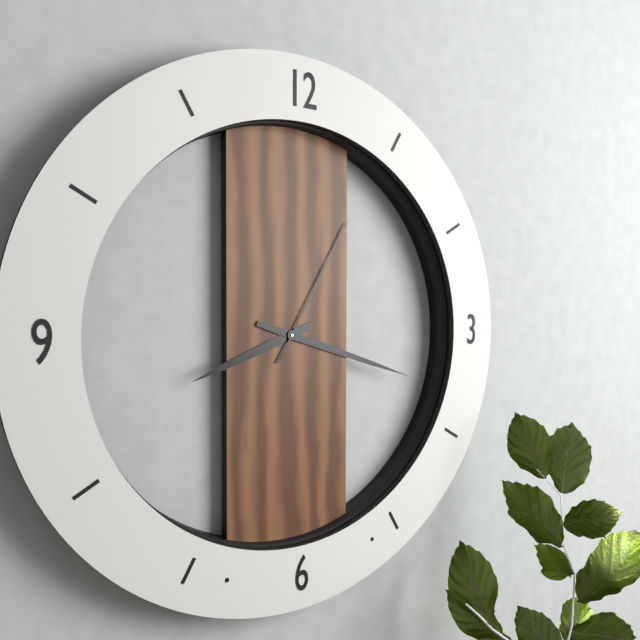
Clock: 8:18:05
